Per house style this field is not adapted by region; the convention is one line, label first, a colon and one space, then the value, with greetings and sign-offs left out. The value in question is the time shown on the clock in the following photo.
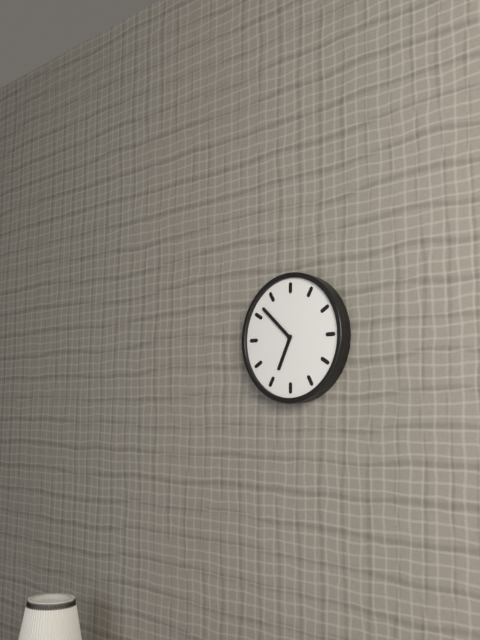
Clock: 6:52
